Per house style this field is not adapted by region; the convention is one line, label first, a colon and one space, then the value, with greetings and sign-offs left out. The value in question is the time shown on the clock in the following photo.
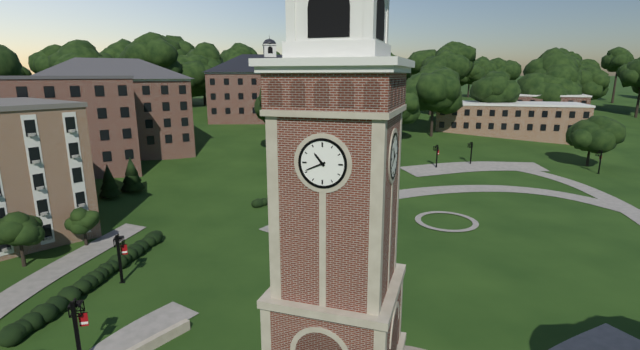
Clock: 10:41
